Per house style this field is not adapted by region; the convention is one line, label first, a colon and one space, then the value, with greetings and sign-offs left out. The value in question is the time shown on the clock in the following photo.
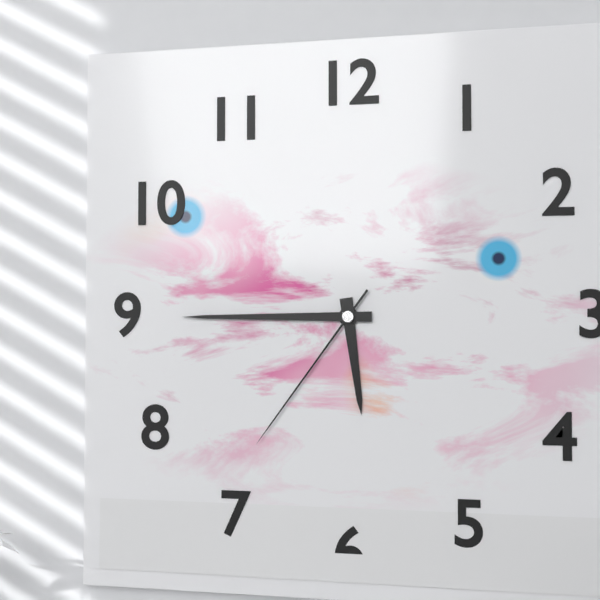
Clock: 5:45:36
